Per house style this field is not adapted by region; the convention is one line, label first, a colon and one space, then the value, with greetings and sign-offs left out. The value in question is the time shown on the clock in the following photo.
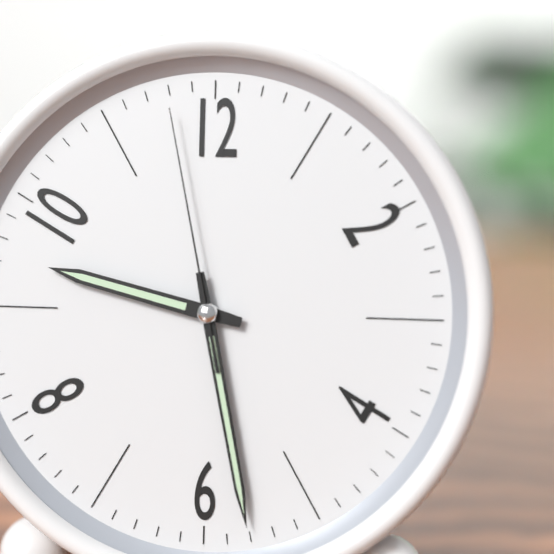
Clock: 9:28:58
